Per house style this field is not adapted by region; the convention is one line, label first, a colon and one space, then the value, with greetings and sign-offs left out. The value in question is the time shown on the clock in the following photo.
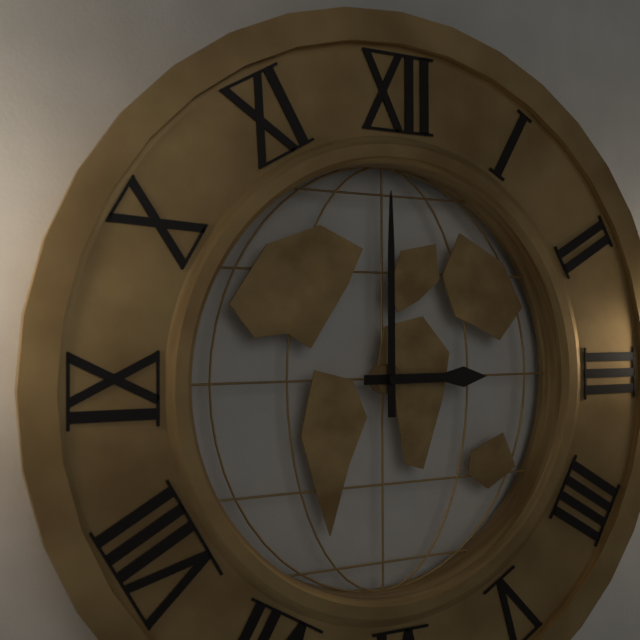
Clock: 3:00
